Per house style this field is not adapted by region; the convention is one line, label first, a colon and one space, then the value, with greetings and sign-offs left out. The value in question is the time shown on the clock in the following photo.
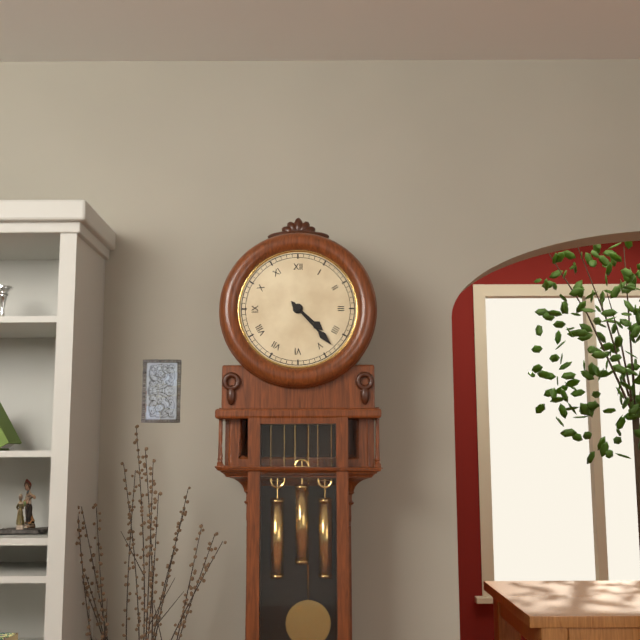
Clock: 4:23
